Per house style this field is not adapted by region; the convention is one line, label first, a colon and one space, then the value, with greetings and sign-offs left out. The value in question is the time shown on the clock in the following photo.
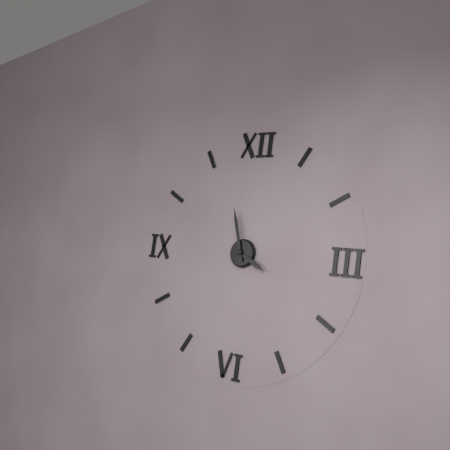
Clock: 3:57
